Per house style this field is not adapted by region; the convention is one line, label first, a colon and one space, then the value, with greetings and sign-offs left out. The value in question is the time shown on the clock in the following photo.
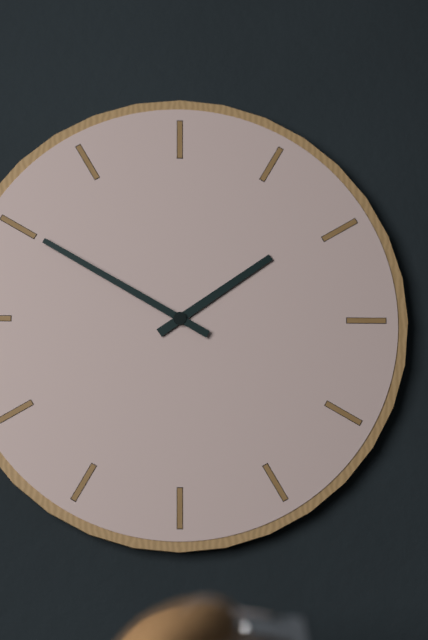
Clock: 1:50
